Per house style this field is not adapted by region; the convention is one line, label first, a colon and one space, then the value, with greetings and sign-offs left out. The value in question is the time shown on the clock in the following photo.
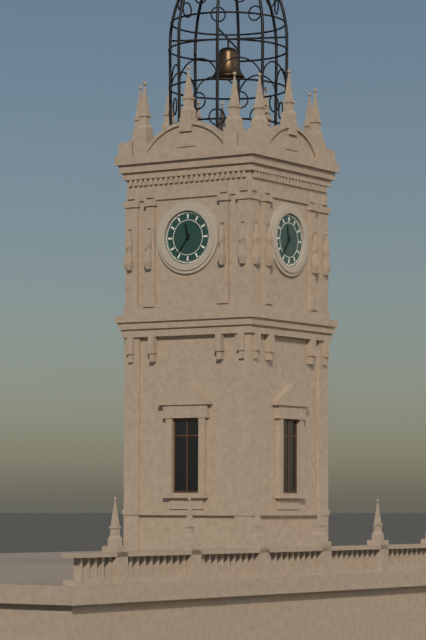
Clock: 11:36
